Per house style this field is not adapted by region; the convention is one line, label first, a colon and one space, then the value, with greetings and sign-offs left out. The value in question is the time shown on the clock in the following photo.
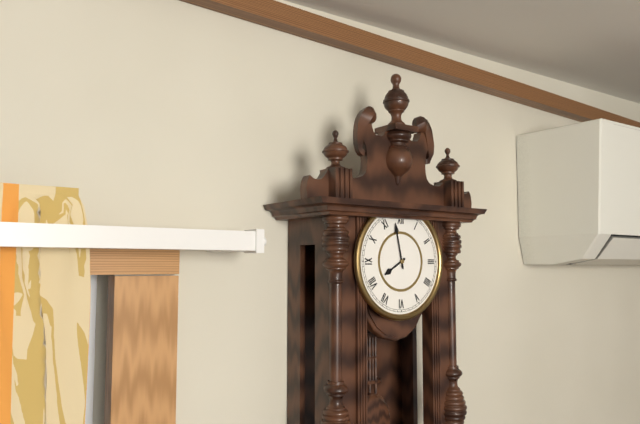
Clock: 7:58
